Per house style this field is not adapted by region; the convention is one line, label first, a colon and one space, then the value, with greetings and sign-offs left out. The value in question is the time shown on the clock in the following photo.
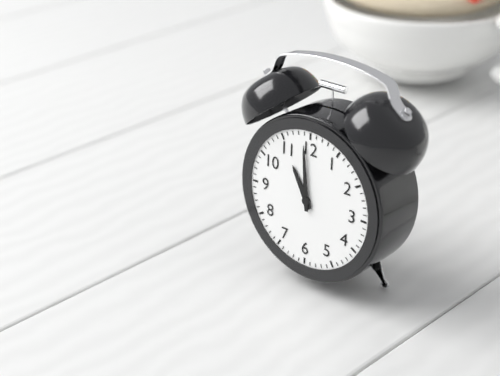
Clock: 10:59
